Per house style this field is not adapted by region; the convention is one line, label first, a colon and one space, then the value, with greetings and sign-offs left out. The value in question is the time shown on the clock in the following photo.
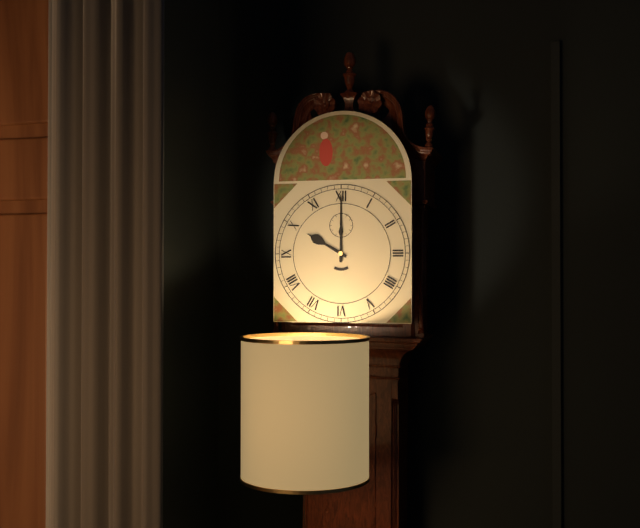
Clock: 10:00
